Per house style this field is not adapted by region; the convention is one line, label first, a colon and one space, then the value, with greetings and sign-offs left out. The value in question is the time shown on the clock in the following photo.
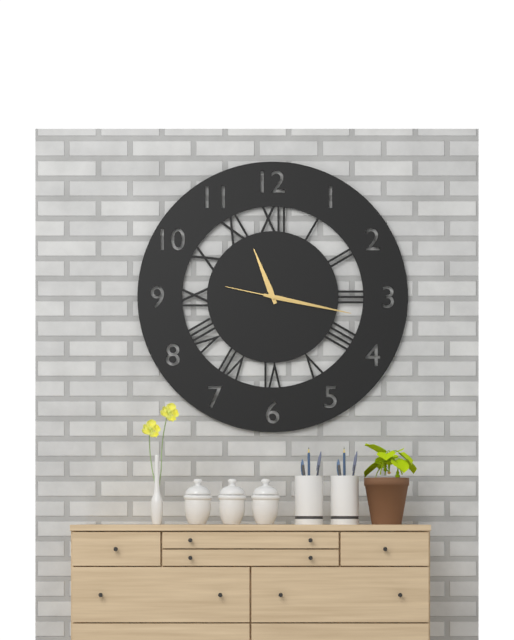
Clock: 11:17:47
